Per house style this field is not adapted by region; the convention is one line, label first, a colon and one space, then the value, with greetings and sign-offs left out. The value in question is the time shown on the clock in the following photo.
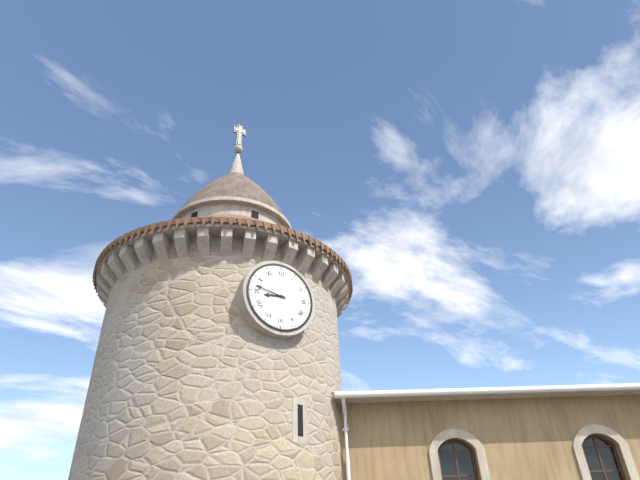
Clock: 8:47
